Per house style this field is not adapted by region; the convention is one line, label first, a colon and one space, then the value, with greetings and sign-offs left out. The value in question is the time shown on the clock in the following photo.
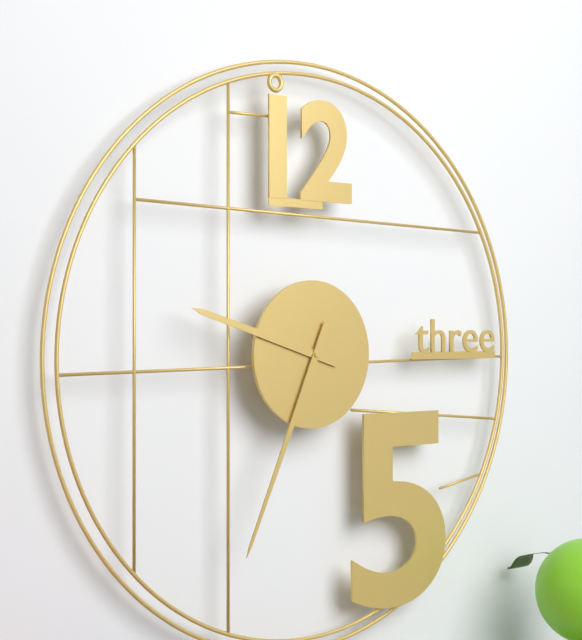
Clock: 9:34
